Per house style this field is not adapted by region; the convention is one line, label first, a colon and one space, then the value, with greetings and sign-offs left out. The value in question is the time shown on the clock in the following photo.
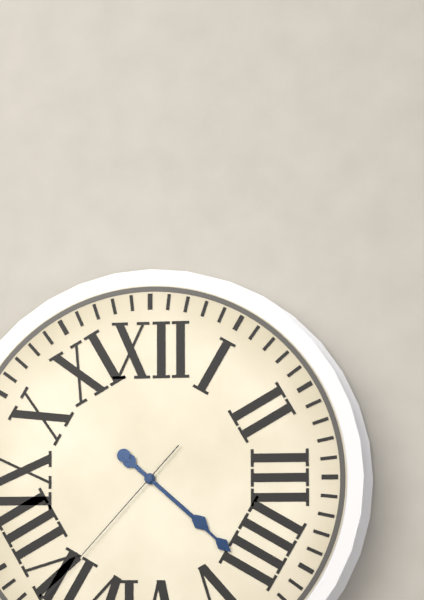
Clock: 4:22:37
